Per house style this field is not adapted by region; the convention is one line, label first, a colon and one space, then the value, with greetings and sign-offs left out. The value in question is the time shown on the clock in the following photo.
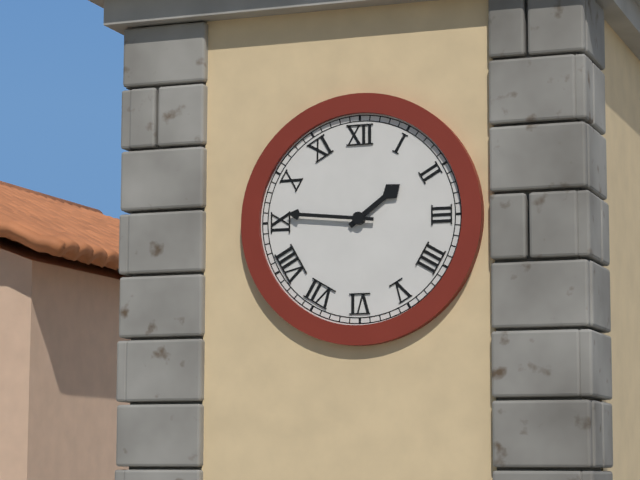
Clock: 1:46
